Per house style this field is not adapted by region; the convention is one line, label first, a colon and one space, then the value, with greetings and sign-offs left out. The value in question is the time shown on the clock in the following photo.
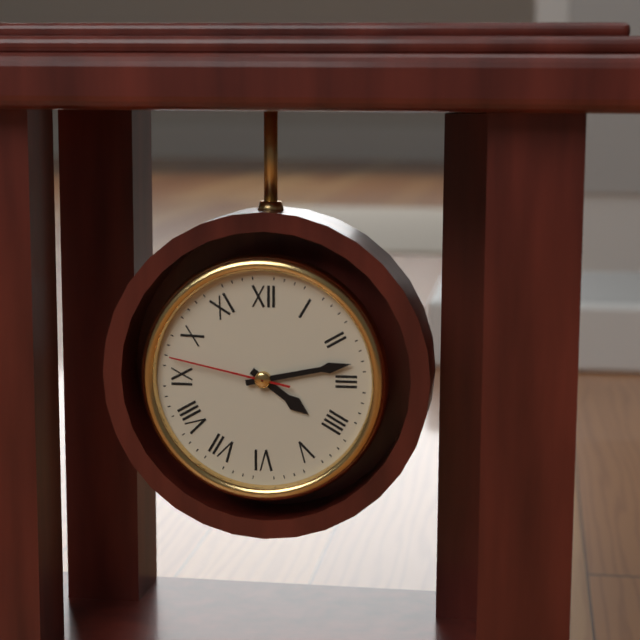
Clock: 4:13:47
